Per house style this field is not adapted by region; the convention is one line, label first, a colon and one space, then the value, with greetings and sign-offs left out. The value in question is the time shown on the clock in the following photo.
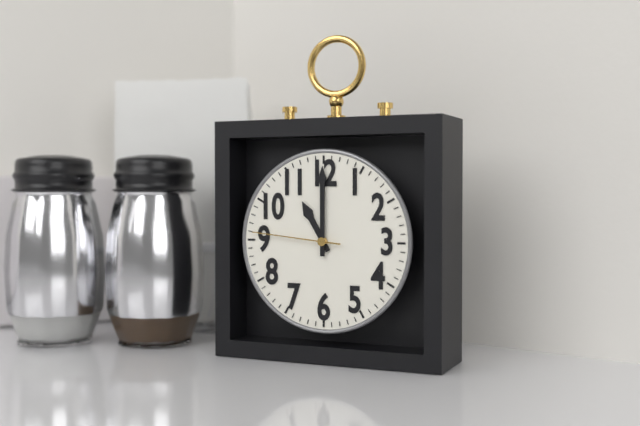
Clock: 11:00:46
